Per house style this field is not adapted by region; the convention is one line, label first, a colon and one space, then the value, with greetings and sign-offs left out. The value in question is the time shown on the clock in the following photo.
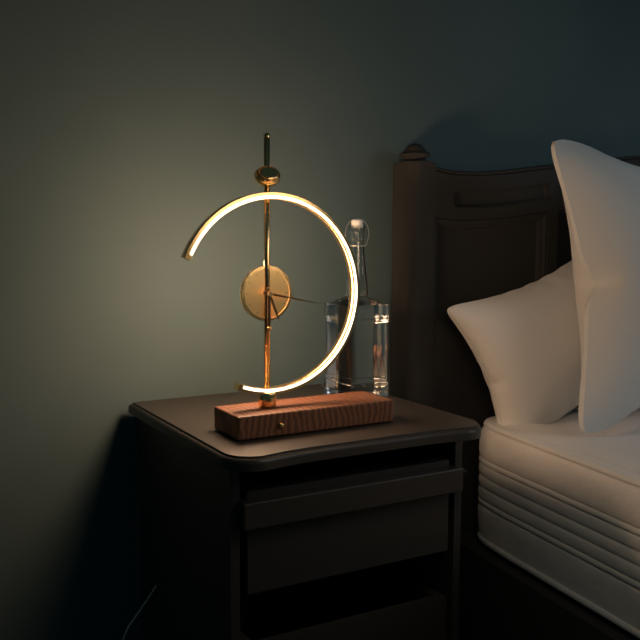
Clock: 5:17
